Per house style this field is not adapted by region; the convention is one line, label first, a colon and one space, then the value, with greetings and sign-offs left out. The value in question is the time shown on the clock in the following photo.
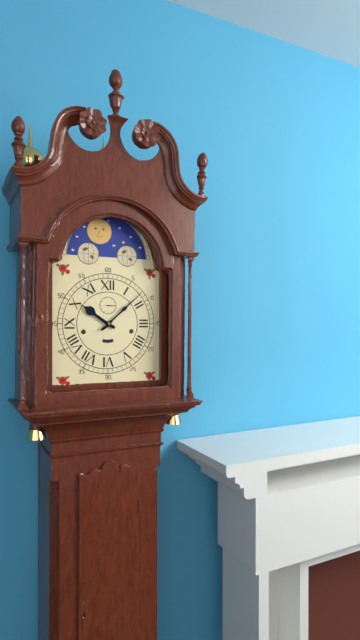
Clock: 10:08
